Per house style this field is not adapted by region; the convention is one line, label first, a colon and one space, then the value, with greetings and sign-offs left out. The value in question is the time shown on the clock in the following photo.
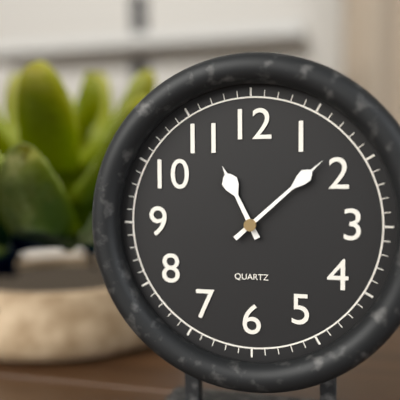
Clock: 11:08
